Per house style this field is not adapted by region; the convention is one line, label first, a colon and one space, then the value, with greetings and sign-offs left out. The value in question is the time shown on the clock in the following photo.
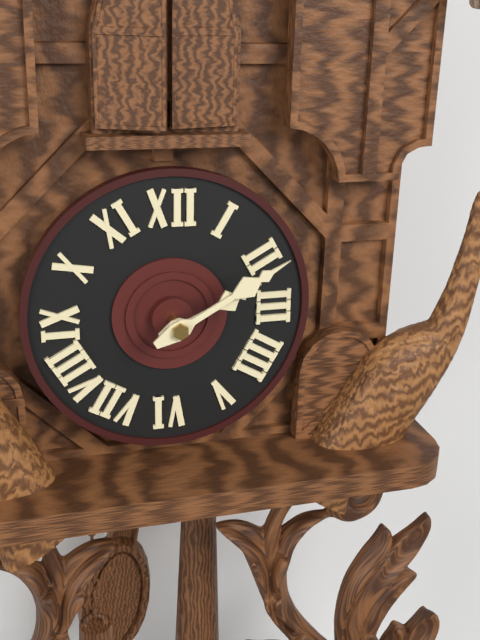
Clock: 2:10
